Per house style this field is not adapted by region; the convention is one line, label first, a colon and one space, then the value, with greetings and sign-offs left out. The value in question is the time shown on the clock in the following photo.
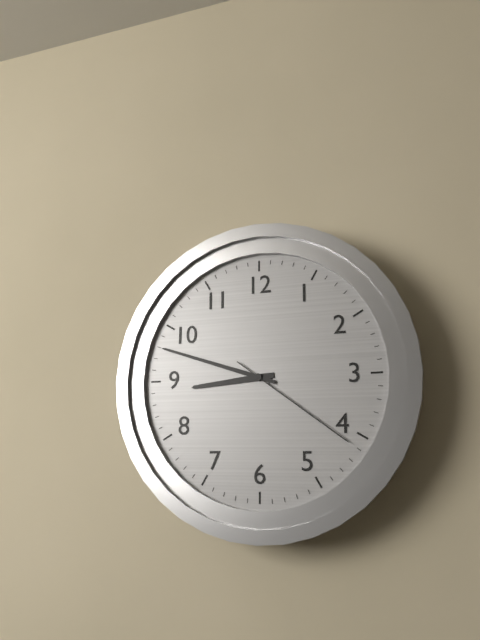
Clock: 8:48:21
